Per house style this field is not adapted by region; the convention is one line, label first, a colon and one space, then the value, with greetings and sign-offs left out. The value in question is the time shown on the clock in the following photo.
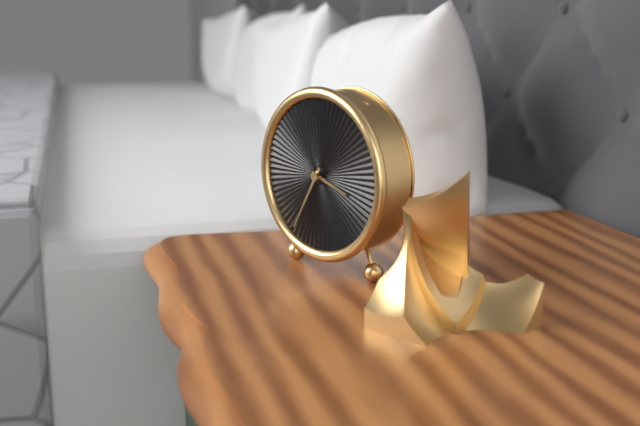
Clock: 3:35
